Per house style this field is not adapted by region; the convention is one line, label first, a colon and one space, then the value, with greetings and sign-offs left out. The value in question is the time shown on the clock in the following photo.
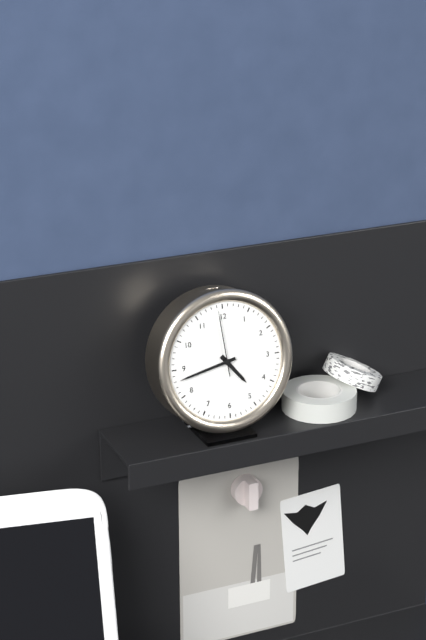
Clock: 4:43:59
